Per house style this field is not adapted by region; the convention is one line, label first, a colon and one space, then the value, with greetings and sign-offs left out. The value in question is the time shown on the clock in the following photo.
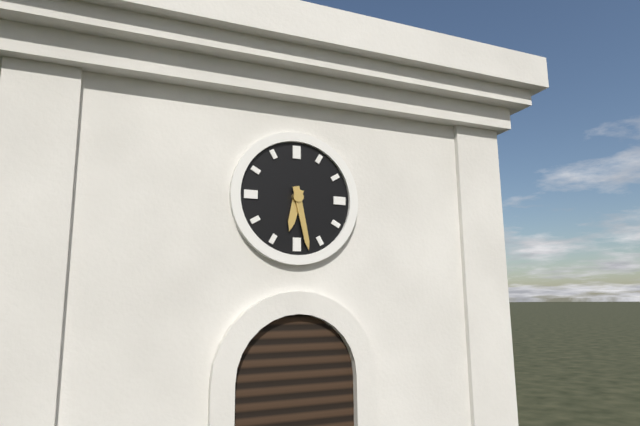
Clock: 6:28
